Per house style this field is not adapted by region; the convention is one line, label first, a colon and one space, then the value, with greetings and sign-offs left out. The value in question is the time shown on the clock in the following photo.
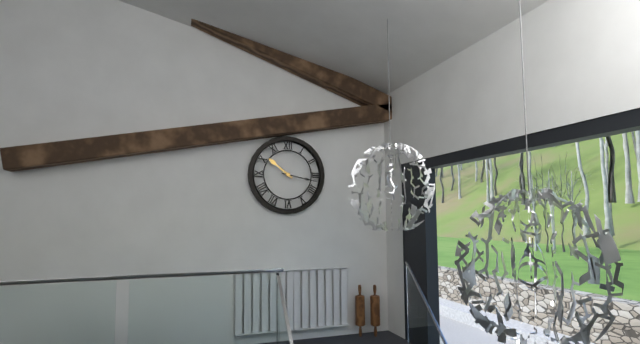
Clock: 10:17
